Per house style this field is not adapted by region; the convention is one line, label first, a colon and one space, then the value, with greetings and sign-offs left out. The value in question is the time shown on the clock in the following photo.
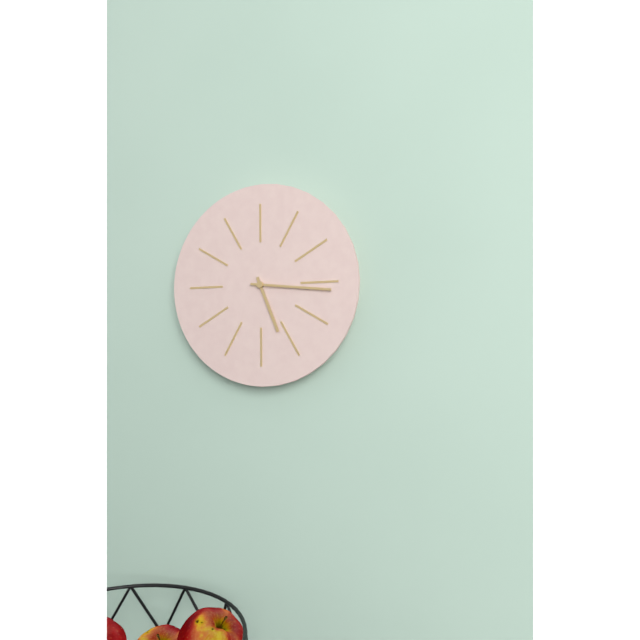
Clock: 5:16
